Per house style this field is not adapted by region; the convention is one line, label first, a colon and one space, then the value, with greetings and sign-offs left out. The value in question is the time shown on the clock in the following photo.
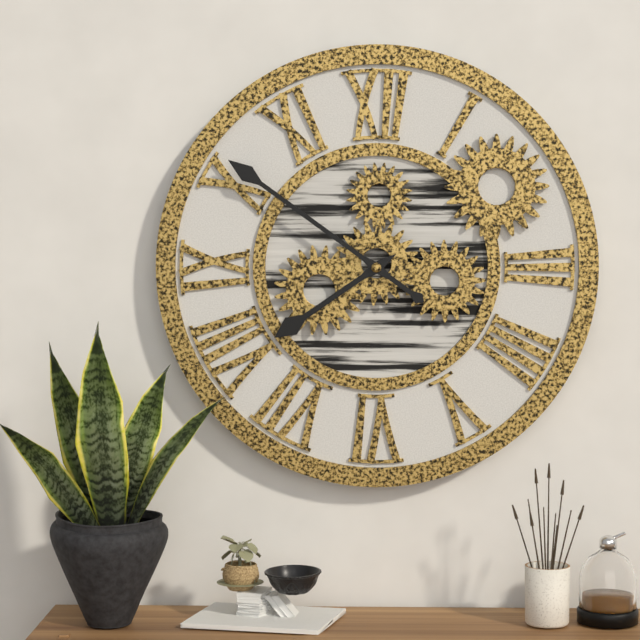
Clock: 7:51
